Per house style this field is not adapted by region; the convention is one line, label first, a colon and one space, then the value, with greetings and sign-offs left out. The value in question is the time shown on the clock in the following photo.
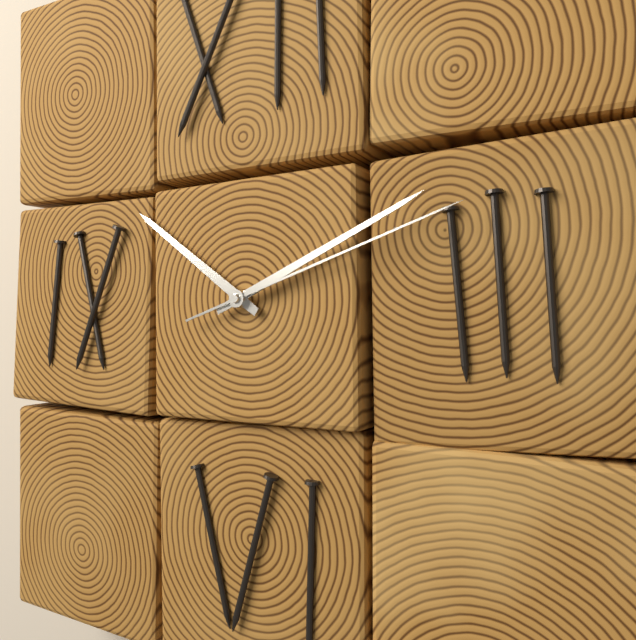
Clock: 10:11:12
